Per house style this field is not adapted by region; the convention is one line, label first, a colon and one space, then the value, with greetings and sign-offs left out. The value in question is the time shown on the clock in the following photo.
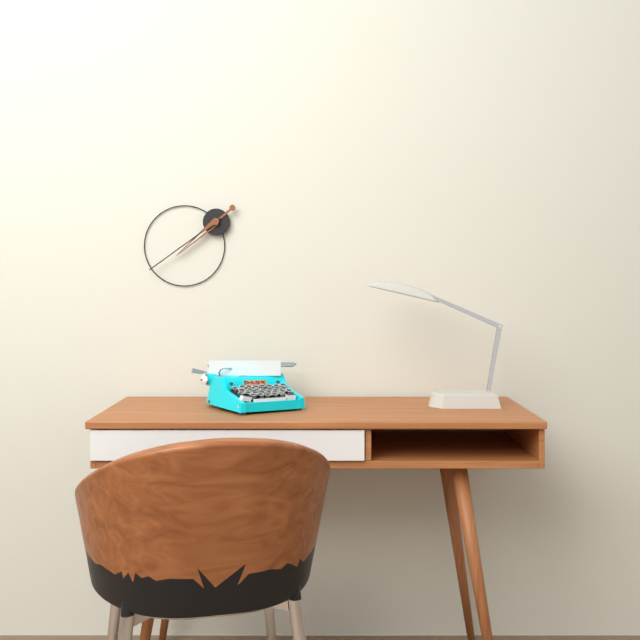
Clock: 7:39
